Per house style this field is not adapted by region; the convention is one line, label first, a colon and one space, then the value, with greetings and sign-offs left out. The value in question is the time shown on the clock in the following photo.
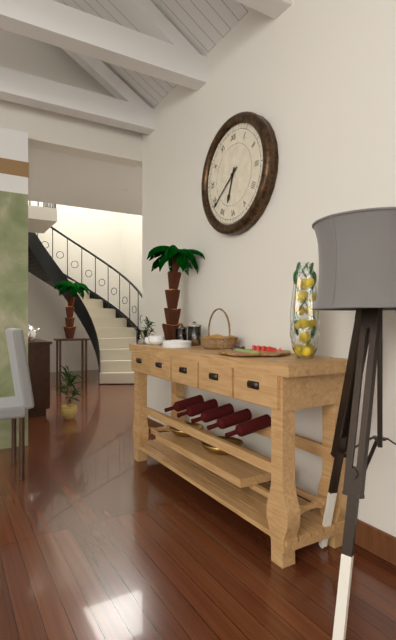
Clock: 6:39
